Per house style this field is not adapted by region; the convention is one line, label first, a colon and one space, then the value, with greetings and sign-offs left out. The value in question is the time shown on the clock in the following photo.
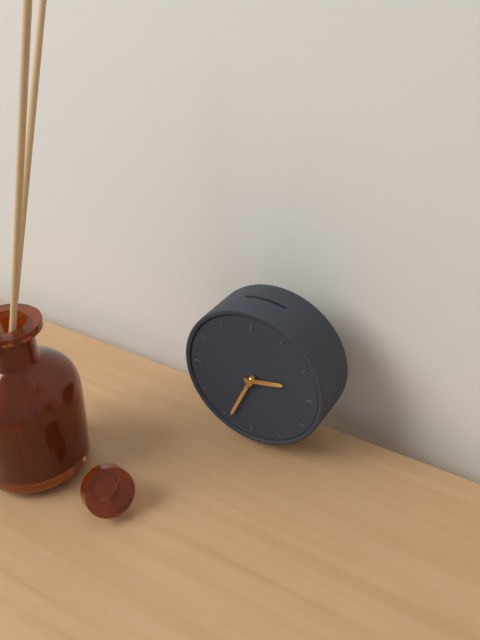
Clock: 2:34
